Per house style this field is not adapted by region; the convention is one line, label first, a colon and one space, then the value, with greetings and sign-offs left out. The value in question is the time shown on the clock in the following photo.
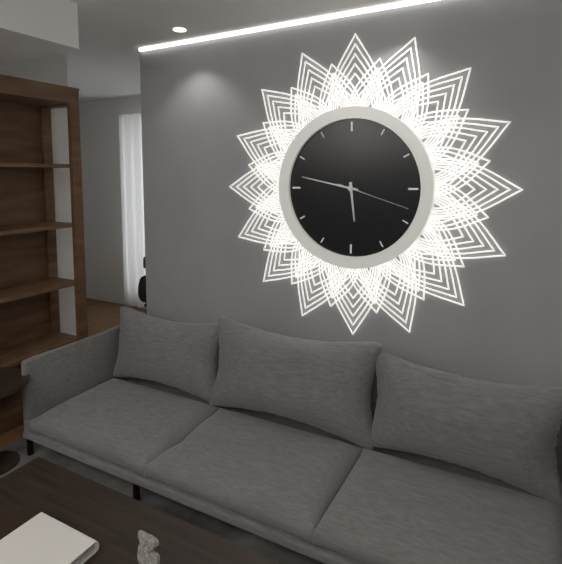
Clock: 5:47:18
